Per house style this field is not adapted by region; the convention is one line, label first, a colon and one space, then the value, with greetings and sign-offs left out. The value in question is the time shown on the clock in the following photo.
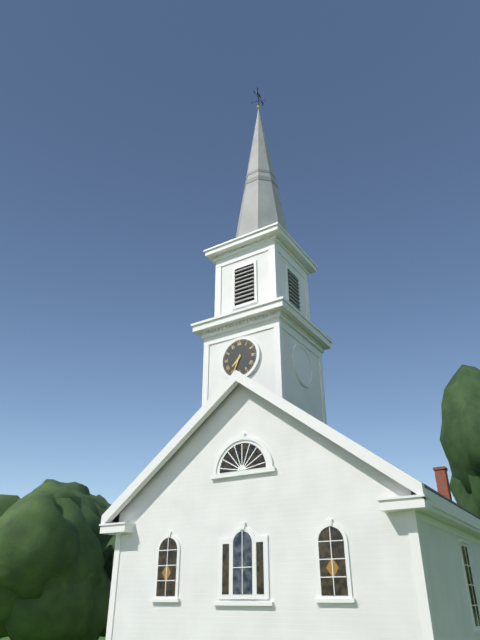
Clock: 7:34
